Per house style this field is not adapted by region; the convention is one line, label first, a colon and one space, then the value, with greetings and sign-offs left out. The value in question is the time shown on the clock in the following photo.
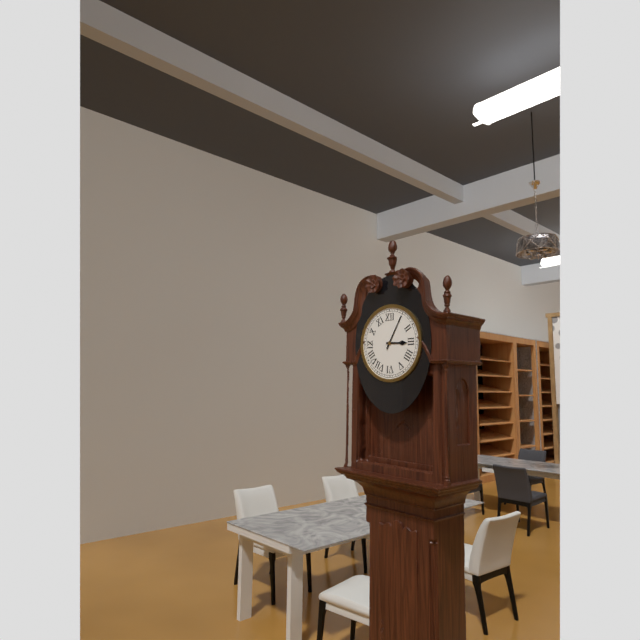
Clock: 3:05
